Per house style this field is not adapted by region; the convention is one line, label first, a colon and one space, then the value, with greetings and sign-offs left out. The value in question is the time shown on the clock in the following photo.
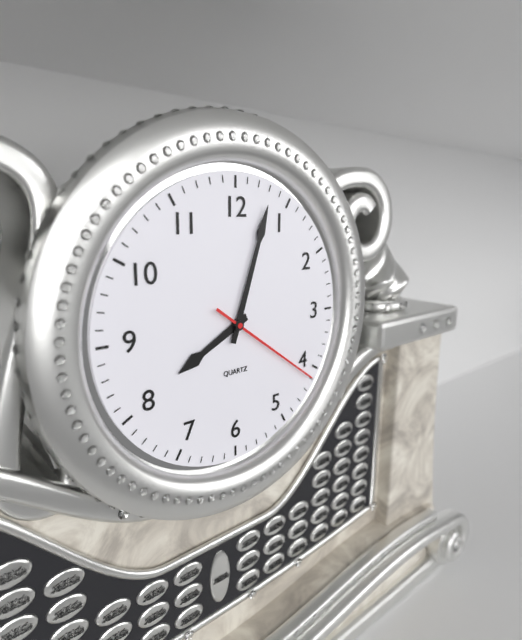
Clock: 8:03:21
